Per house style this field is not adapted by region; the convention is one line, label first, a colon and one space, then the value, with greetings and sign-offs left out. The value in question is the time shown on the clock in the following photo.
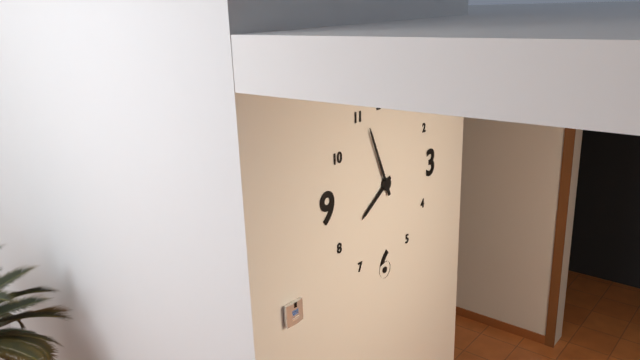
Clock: 7:56
